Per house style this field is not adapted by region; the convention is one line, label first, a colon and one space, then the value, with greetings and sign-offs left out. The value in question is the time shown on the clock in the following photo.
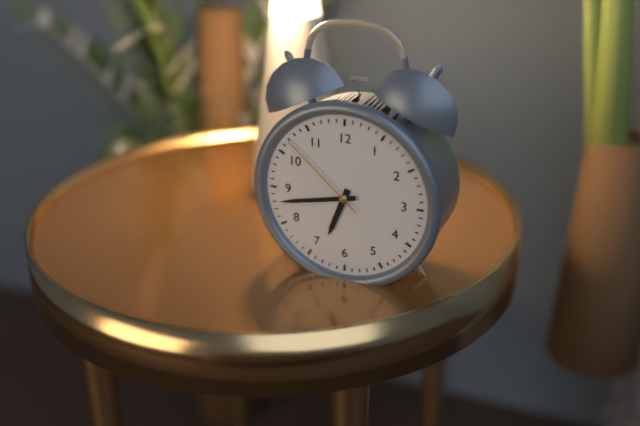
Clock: 6:43:52
